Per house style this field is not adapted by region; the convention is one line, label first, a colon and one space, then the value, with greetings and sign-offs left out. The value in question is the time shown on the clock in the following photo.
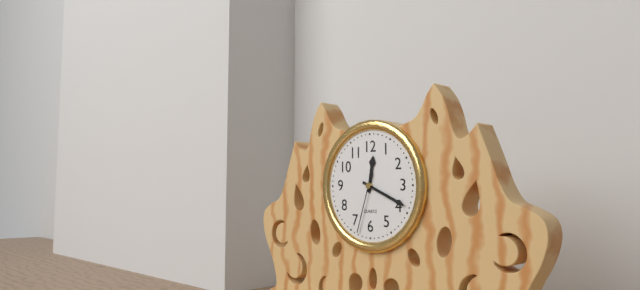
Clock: 12:19:33
